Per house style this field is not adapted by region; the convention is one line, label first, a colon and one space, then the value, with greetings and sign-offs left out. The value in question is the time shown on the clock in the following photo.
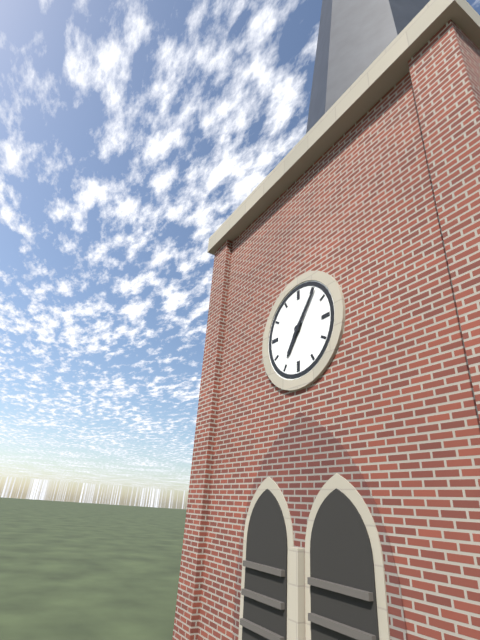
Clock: 7:06
